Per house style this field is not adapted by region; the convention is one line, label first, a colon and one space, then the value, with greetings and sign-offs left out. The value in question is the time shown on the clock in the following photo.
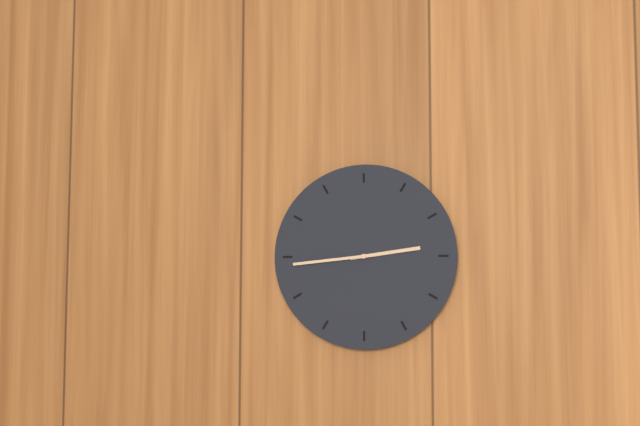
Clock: 2:44
